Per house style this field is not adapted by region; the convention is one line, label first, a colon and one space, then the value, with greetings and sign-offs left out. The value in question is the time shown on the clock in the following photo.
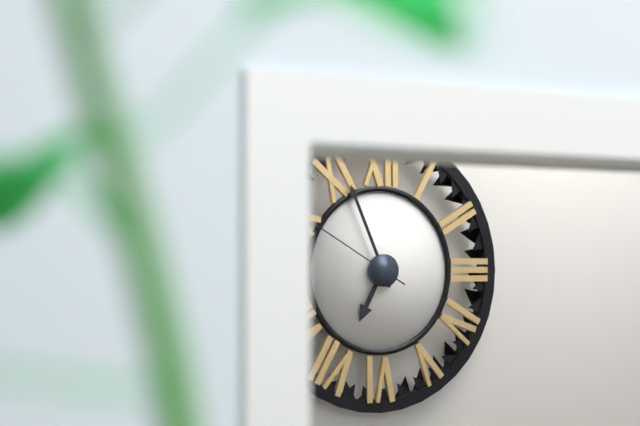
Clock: 6:56:50
